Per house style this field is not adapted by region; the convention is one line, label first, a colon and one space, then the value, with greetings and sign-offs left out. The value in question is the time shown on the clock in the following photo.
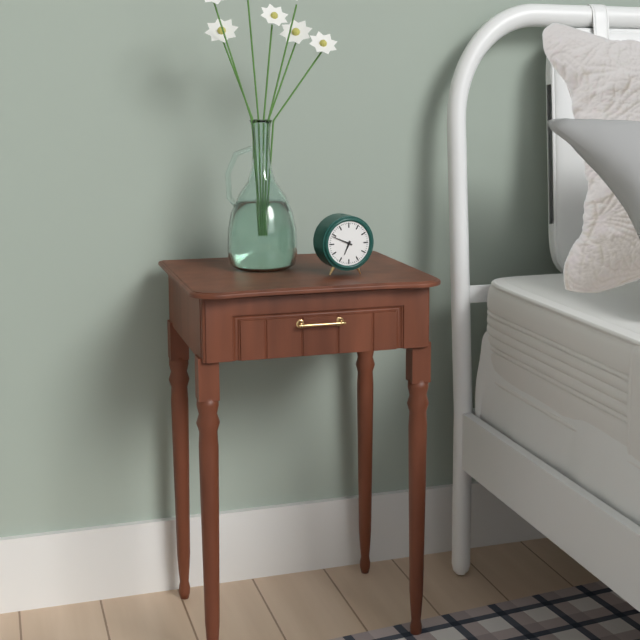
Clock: 6:49
